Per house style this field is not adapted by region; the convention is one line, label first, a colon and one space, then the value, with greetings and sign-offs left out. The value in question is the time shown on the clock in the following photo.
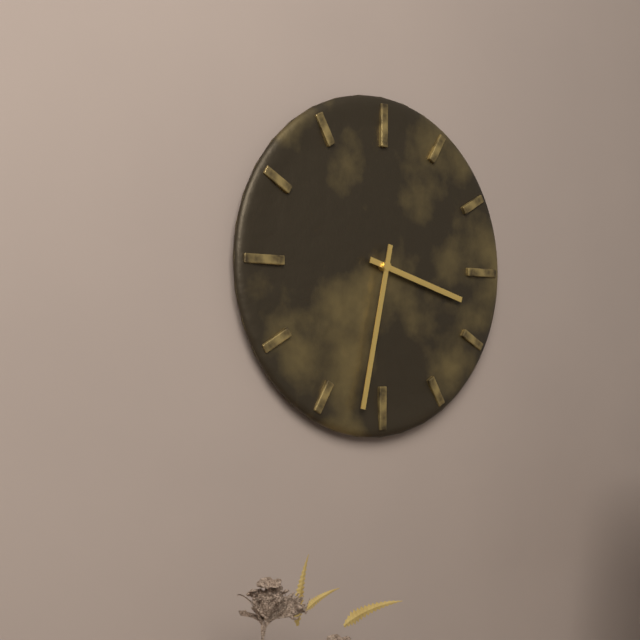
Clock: 3:32
